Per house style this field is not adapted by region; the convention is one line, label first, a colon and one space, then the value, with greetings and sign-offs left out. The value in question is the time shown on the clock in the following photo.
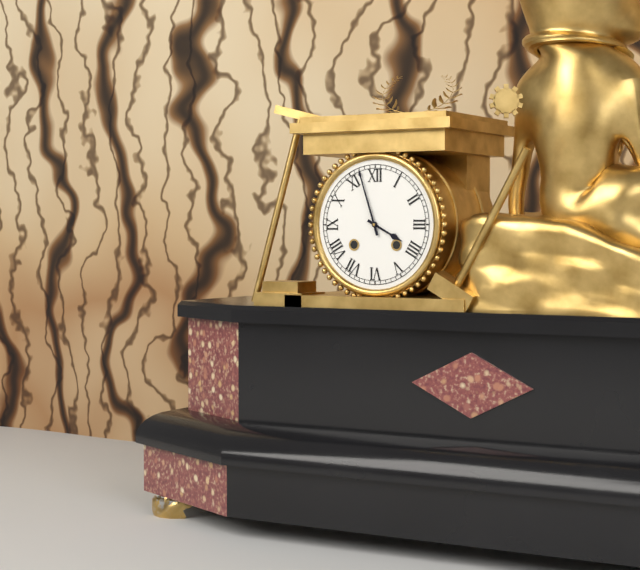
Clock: 3:57
